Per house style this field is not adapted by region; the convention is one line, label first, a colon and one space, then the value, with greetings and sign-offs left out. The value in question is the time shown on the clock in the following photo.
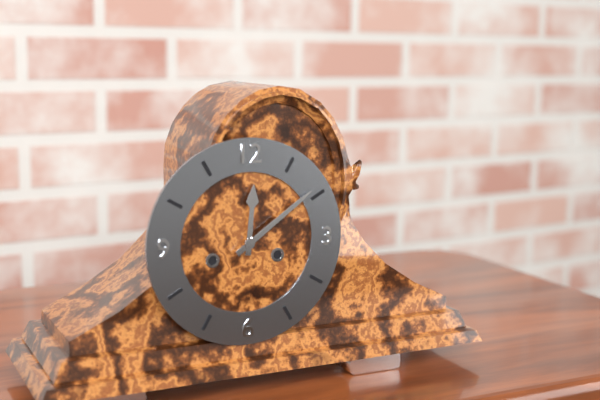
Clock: 12:09
